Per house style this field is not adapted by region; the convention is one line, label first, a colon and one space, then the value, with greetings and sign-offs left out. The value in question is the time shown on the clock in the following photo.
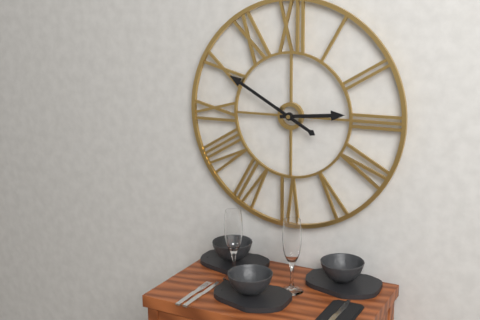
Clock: 2:50
